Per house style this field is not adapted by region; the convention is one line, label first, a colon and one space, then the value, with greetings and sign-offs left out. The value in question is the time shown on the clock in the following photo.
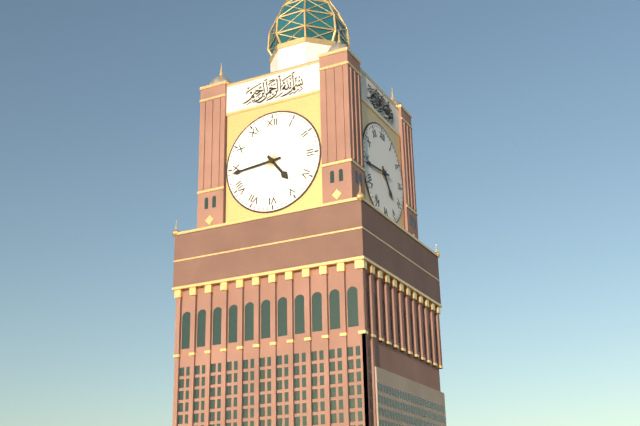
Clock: 4:44
